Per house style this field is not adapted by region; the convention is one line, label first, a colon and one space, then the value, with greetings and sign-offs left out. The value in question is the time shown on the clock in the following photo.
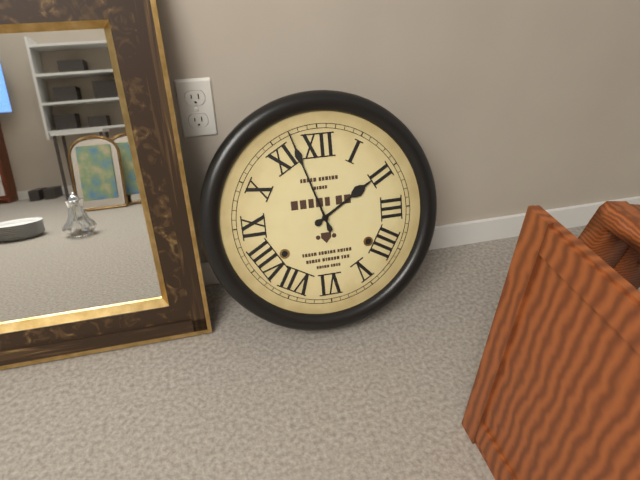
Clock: 1:57
